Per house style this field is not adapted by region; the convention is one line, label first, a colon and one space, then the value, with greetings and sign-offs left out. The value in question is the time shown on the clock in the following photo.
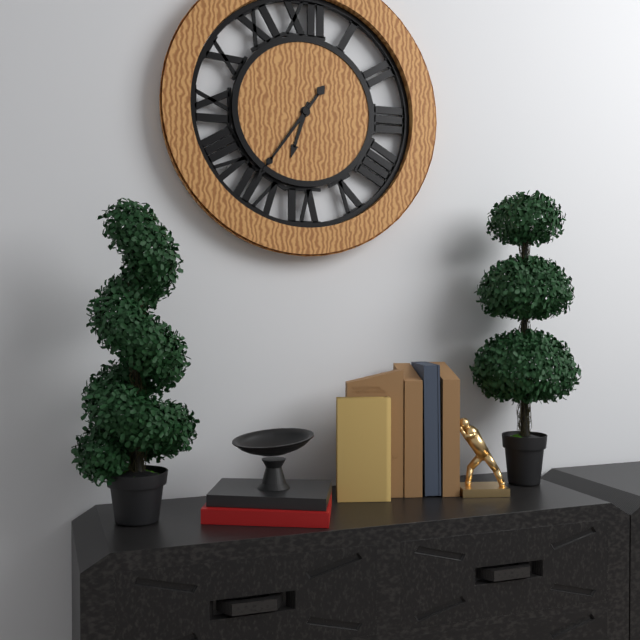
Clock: 6:36
